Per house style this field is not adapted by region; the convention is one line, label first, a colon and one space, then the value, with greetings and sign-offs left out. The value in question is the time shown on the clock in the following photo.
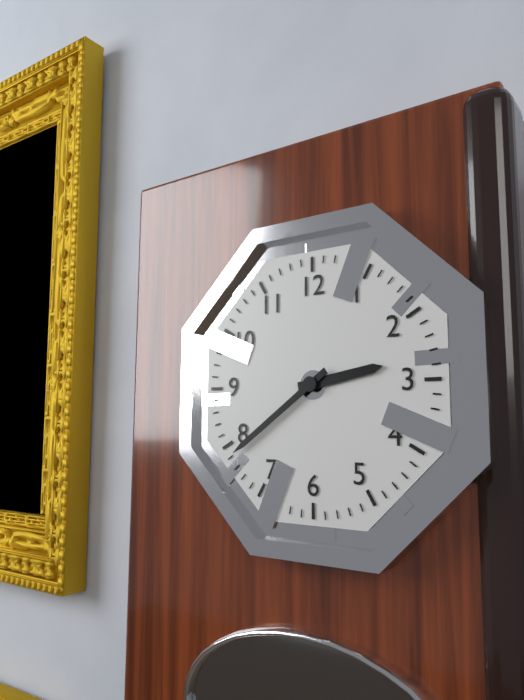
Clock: 2:39
